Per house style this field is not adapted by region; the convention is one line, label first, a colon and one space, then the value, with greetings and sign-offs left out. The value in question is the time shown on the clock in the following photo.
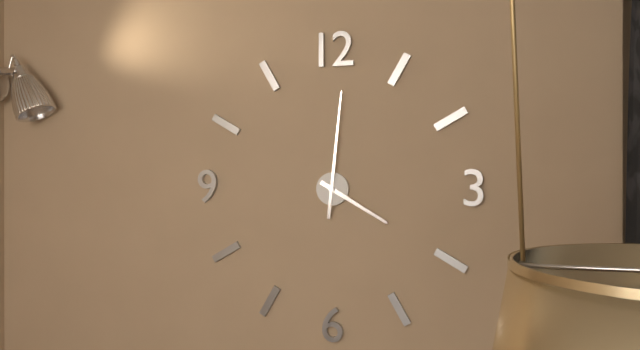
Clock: 4:01
